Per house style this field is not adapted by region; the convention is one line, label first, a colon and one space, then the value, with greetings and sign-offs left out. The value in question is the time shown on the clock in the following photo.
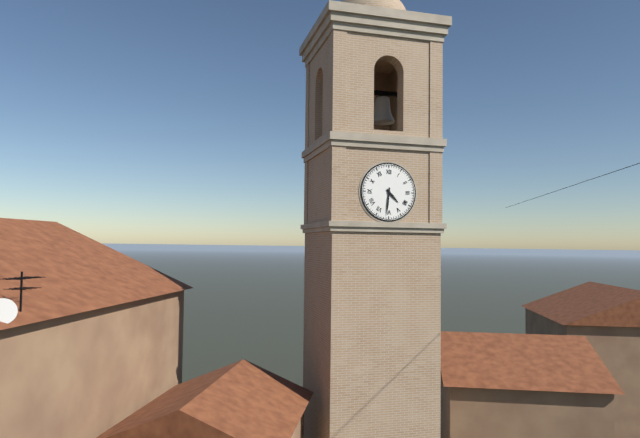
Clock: 4:31
